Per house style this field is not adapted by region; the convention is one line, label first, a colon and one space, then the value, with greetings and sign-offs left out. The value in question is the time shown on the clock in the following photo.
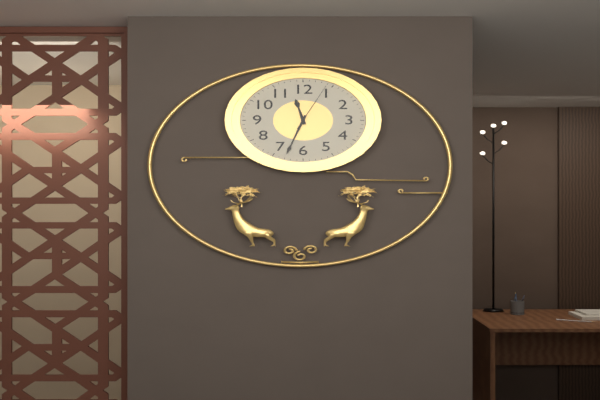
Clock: 11:33:04
